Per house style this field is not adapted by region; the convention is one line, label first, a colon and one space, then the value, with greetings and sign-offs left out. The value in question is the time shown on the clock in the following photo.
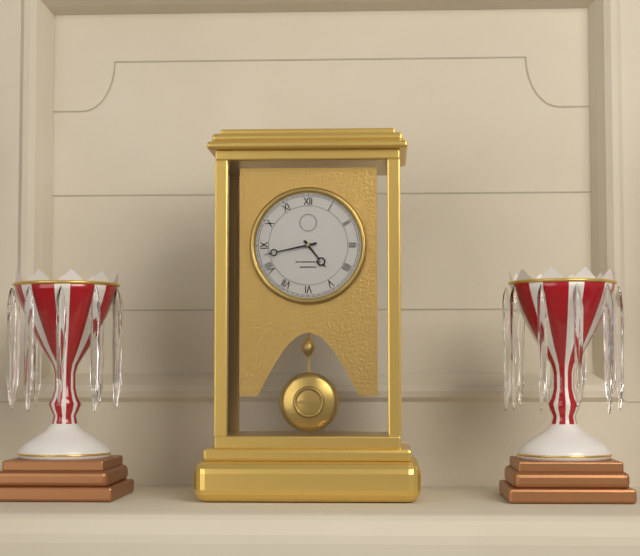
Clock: 4:43
